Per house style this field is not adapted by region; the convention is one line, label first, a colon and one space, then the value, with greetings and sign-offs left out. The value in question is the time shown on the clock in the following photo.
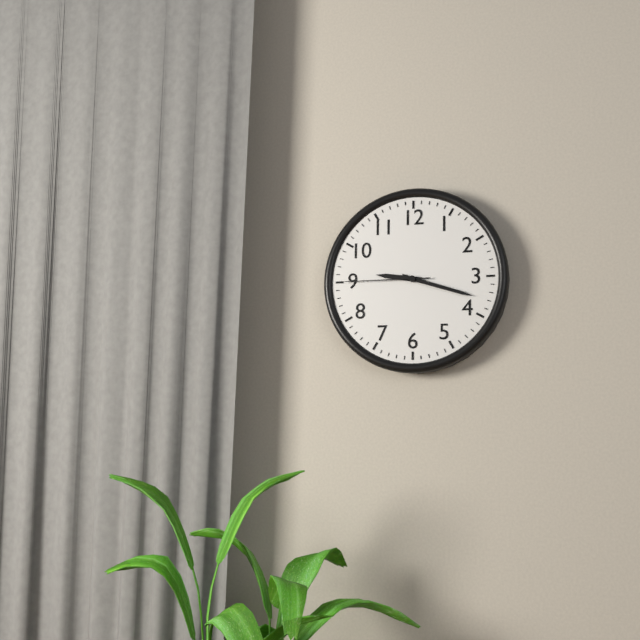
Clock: 9:18:45
